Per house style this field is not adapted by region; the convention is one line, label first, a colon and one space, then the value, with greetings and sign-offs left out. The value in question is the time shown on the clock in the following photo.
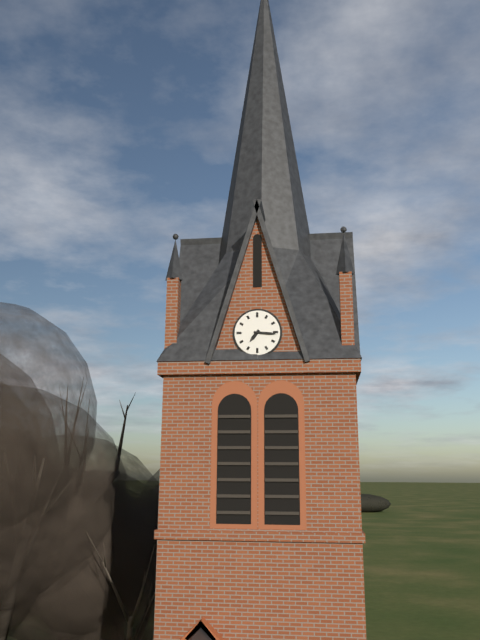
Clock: 7:16
